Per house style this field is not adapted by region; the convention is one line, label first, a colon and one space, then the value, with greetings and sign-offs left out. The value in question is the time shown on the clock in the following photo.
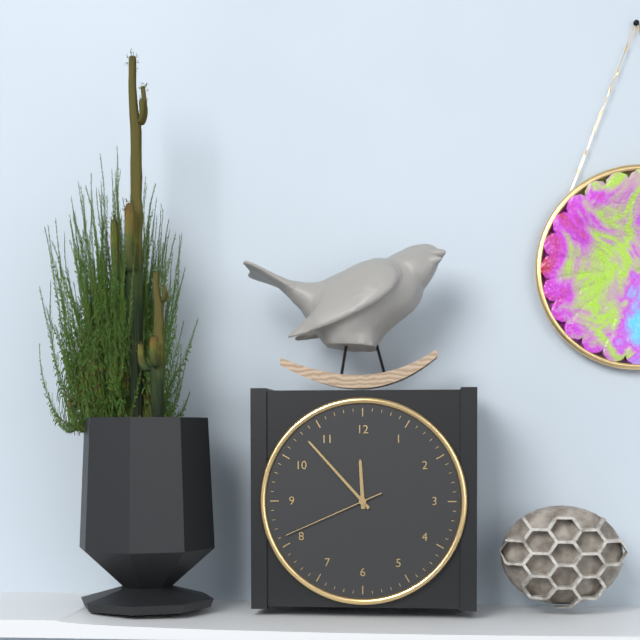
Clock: 11:53:41
